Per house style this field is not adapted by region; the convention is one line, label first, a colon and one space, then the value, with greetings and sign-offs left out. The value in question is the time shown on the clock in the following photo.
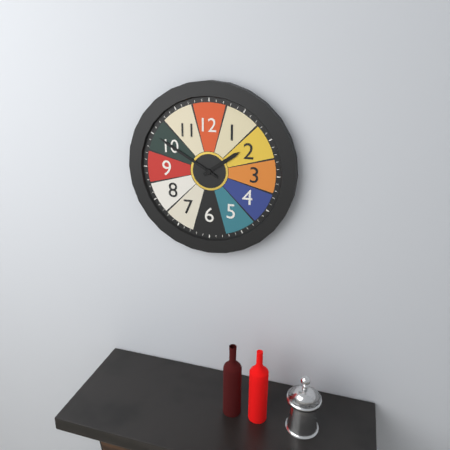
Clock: 1:50
